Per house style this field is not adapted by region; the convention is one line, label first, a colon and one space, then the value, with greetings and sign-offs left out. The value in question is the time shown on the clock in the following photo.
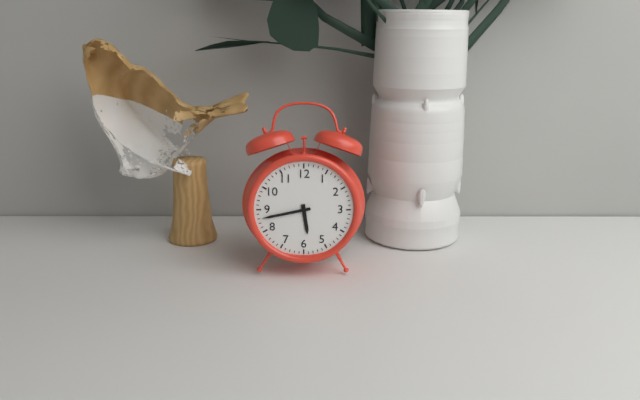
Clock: 5:43
